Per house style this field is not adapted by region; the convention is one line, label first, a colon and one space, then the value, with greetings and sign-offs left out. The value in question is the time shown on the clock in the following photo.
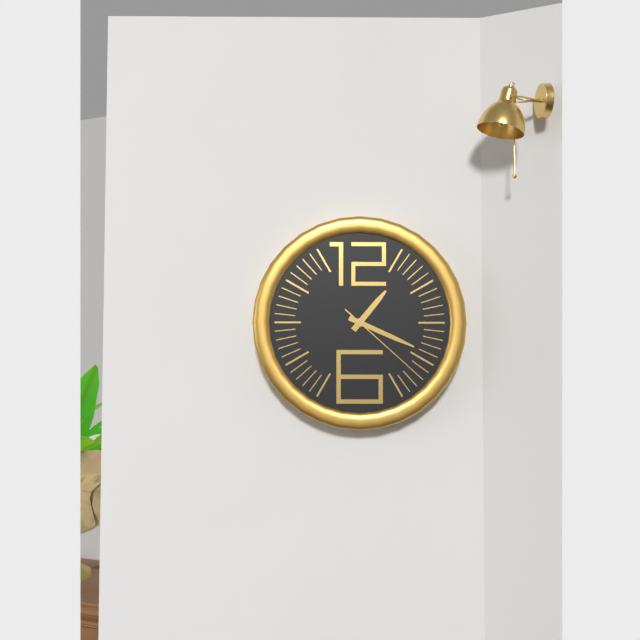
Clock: 1:19:22
